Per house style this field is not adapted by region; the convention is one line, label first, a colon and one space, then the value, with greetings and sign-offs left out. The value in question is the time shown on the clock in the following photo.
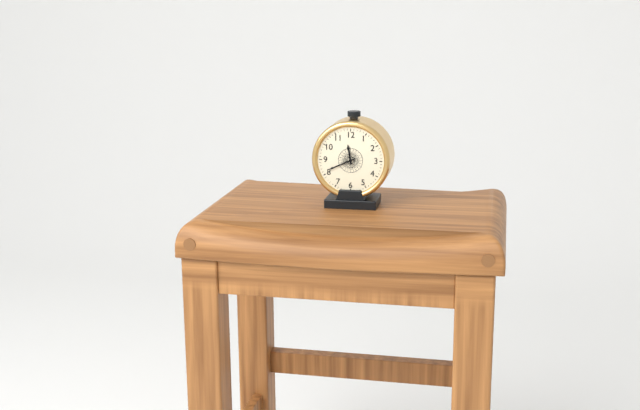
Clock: 11:41
